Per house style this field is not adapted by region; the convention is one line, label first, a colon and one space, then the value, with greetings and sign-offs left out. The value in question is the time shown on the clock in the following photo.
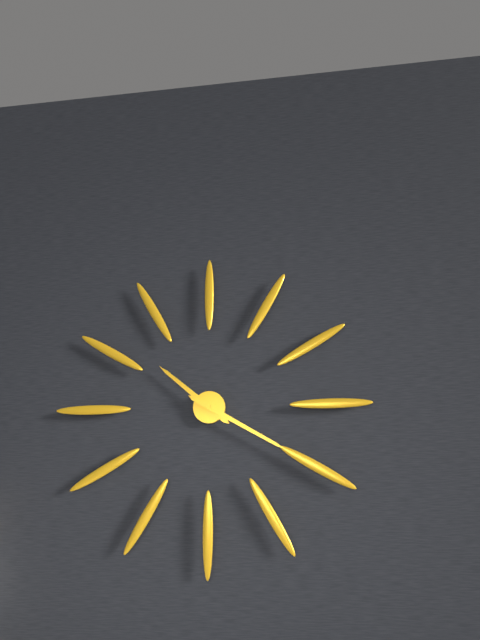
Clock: 10:20
